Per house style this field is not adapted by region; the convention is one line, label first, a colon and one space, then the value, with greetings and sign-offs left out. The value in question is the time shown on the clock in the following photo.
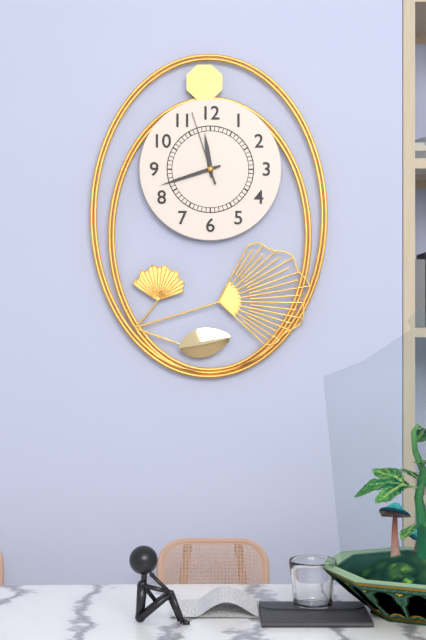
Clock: 11:42:57
